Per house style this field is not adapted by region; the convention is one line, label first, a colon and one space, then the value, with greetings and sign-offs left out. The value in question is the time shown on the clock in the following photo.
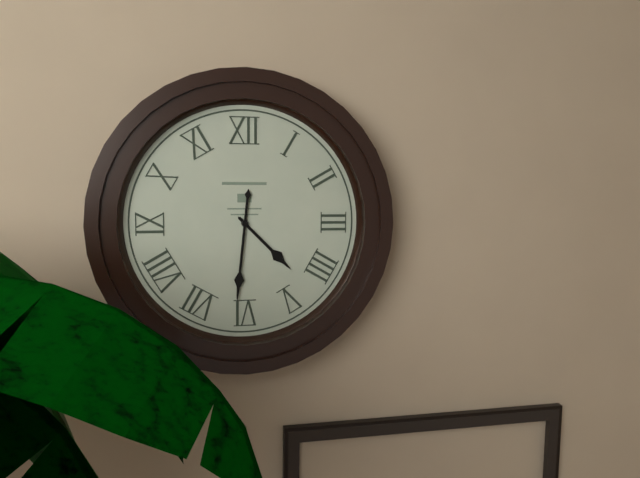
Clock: 4:31
